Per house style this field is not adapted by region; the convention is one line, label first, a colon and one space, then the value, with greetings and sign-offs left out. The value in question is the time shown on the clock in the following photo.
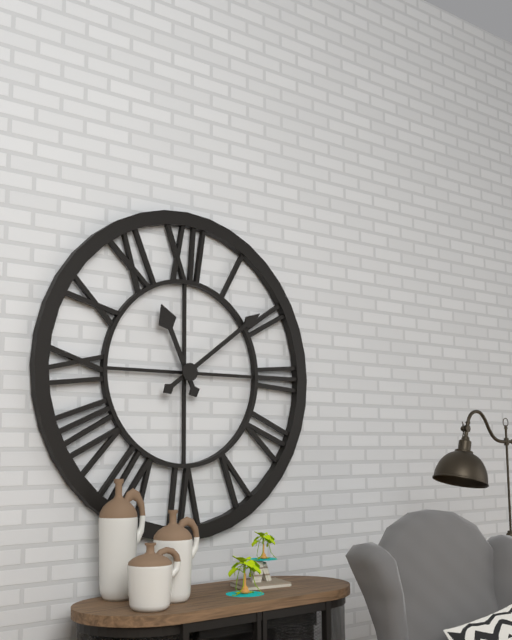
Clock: 11:09
